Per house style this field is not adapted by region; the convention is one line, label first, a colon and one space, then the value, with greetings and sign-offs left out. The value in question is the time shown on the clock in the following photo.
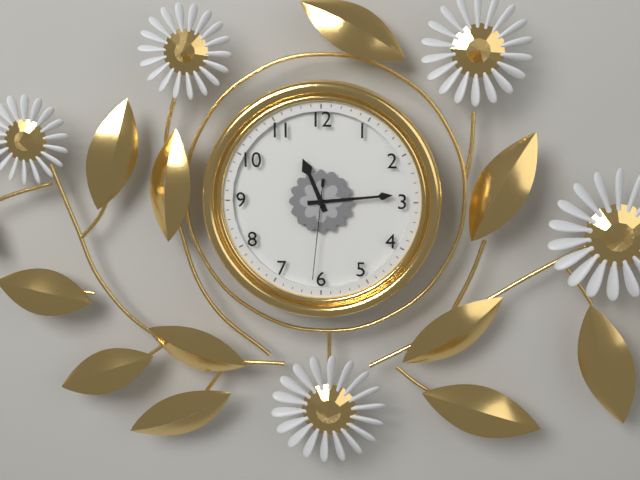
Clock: 11:14:31
